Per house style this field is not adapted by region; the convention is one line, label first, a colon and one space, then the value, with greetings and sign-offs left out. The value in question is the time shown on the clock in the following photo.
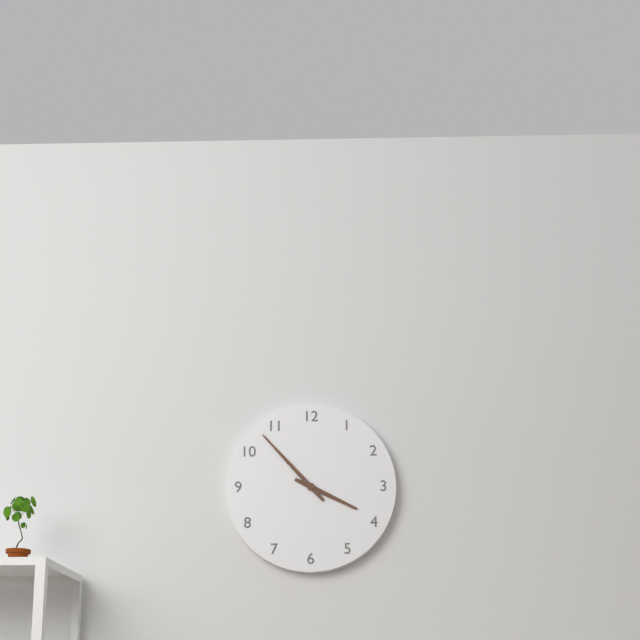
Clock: 3:53
